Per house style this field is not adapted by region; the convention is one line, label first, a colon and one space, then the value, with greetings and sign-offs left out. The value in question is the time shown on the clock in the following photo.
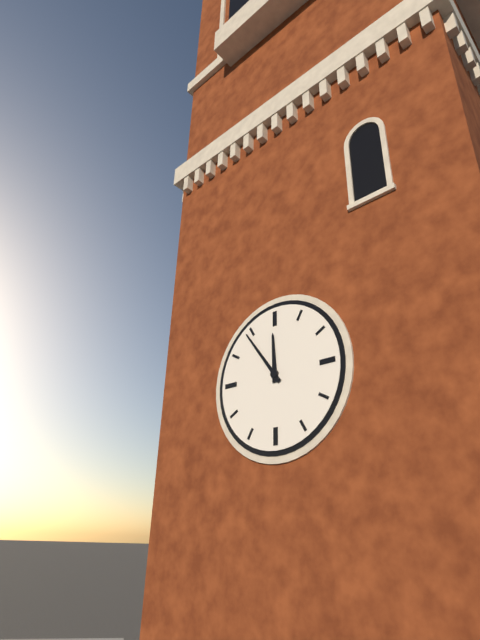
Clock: 11:54
